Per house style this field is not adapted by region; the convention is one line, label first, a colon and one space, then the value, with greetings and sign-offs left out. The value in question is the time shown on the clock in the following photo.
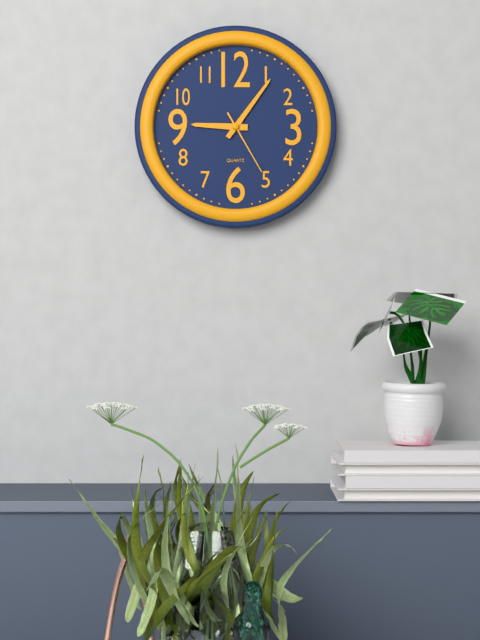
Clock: 9:06:25
